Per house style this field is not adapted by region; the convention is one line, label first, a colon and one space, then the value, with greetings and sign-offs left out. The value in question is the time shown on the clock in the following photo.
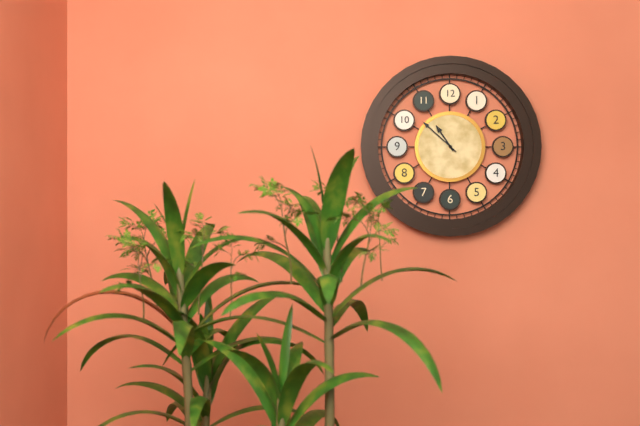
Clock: 10:52
